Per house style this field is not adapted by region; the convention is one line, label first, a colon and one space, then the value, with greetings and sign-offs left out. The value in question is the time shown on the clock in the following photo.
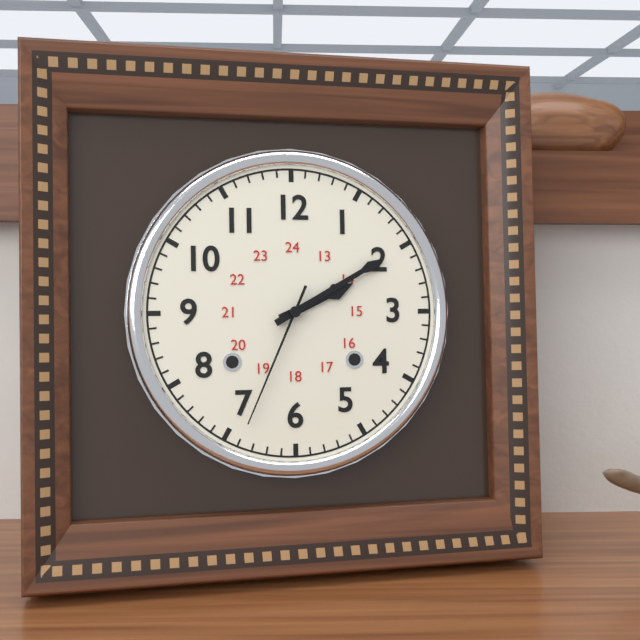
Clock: 2:10:34
